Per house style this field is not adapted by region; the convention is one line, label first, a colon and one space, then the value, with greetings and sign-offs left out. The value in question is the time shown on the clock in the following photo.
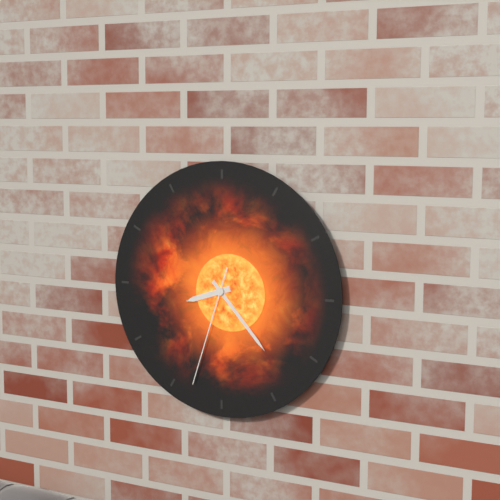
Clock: 8:23:33
